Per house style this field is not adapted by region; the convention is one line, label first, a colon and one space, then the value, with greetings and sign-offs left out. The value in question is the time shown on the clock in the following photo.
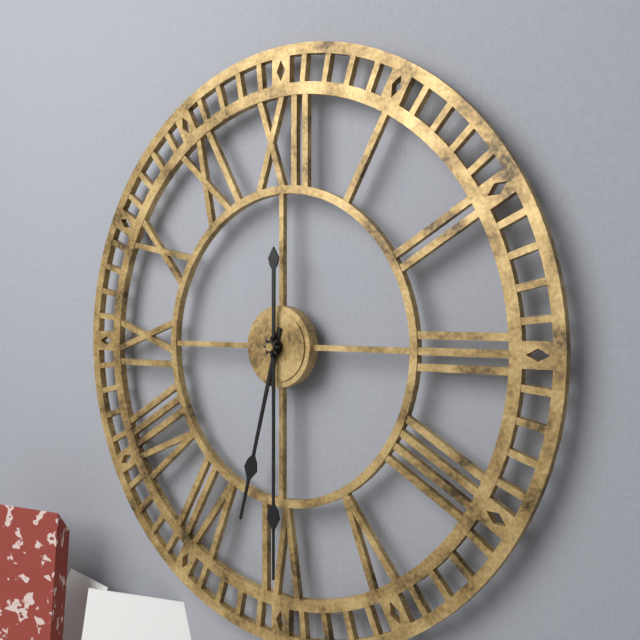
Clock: 6:30
